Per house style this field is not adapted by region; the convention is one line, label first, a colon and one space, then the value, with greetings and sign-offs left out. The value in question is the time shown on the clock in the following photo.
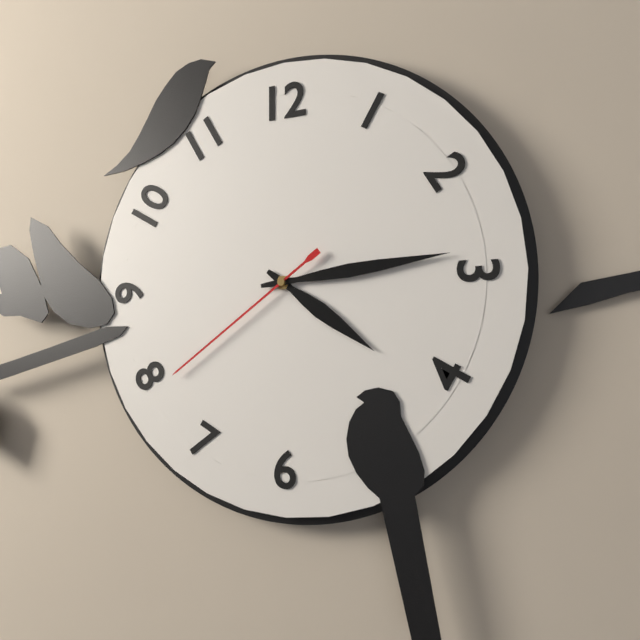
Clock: 4:14:39
